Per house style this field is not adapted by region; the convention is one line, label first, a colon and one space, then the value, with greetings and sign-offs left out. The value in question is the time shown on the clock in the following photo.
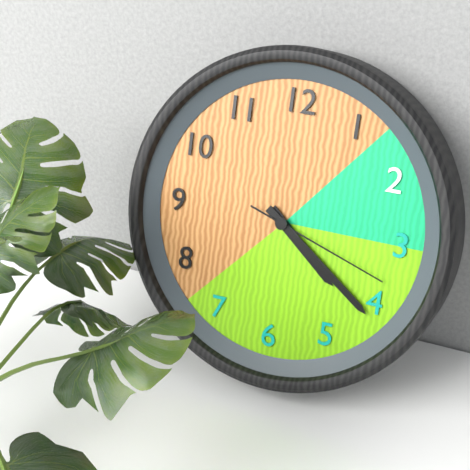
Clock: 4:21:18
